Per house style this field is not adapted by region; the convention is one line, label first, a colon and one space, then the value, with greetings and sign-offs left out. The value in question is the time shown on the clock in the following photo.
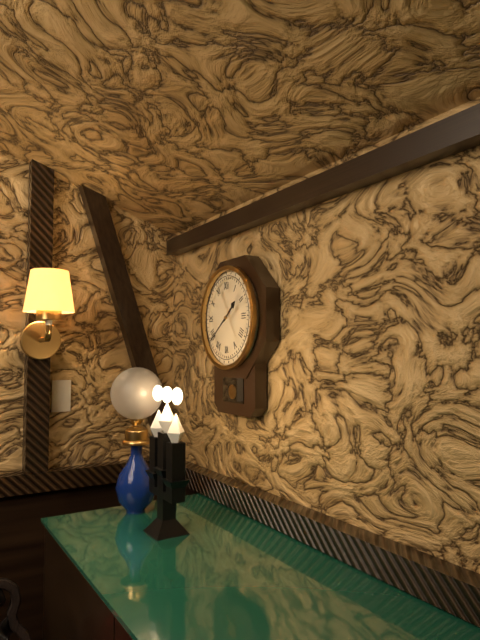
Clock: 1:39
